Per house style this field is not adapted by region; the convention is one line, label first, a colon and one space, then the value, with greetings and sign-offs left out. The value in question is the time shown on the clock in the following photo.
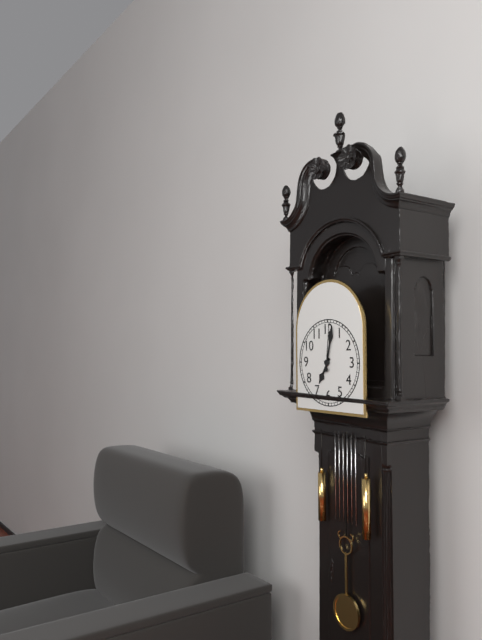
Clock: 7:02:01
